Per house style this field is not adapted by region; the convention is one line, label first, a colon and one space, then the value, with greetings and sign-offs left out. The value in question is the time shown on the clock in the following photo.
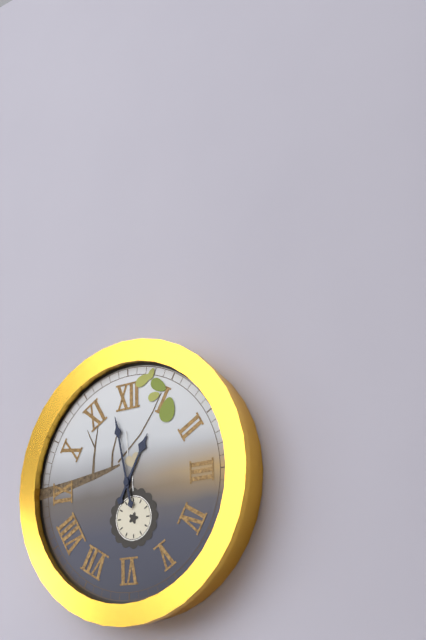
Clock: 12:58
